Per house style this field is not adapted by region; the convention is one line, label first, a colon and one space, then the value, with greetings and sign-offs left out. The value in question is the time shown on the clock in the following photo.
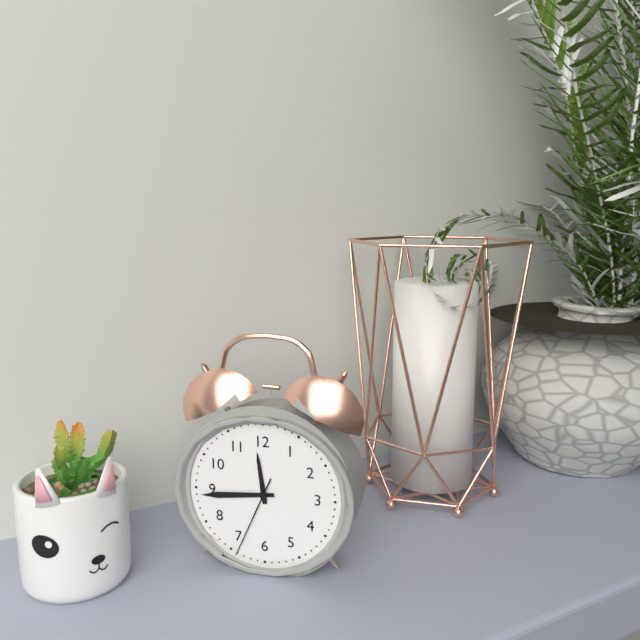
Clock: 11:44:34
